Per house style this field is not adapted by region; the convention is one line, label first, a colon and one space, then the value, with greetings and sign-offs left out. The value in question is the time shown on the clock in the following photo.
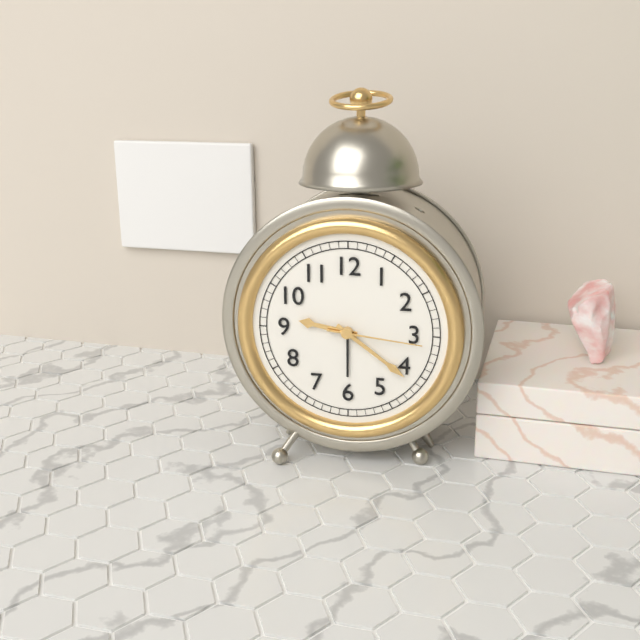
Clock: 9:21:16
